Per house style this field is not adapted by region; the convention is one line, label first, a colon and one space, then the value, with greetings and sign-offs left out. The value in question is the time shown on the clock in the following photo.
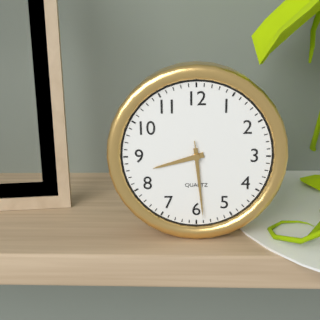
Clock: 8:29:29
